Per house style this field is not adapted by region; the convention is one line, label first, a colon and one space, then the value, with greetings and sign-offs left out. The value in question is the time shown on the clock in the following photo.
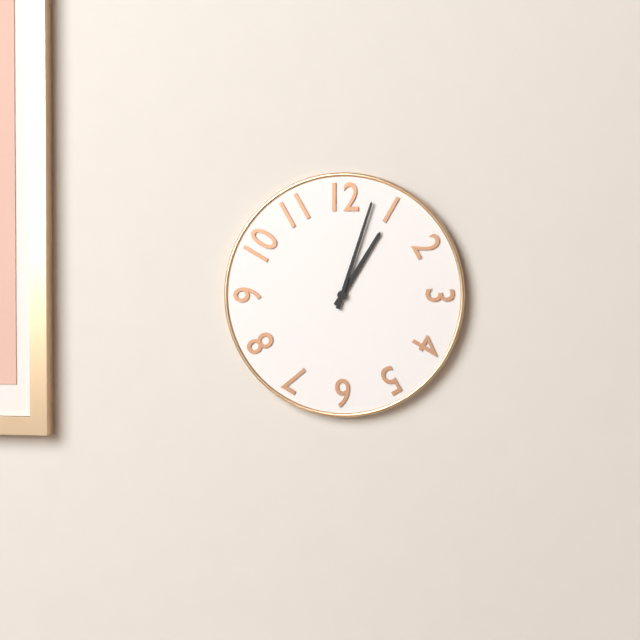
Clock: 1:03
